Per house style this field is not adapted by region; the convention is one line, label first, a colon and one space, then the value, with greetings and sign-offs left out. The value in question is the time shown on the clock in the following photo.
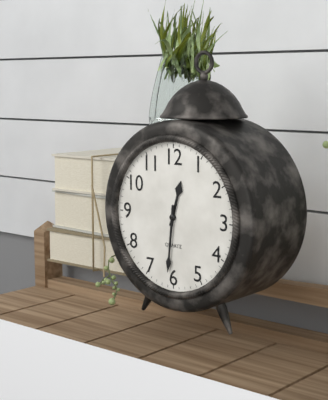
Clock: 12:31
